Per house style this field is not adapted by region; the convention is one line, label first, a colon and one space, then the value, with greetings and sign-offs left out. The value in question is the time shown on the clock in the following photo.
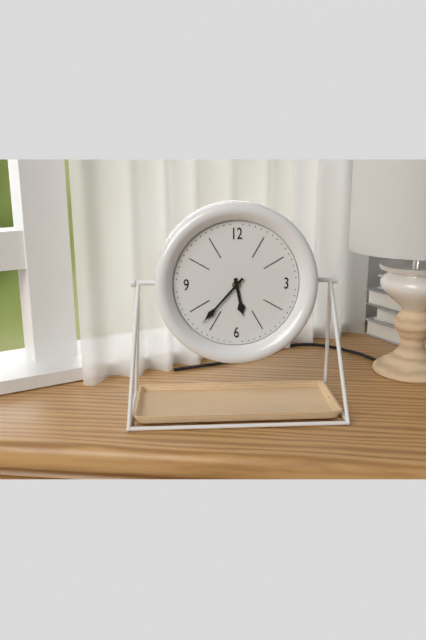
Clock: 5:37
